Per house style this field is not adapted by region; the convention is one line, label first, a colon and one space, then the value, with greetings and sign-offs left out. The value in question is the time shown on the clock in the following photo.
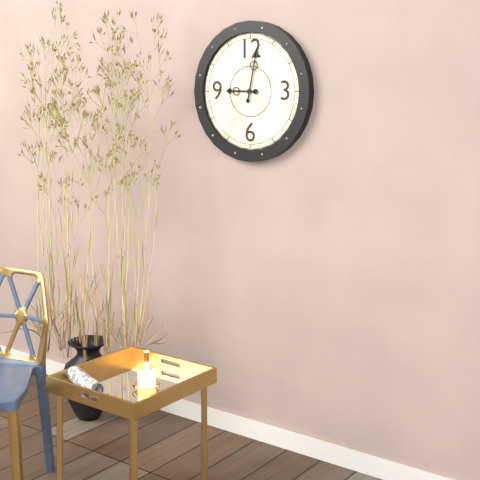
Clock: 9:02
